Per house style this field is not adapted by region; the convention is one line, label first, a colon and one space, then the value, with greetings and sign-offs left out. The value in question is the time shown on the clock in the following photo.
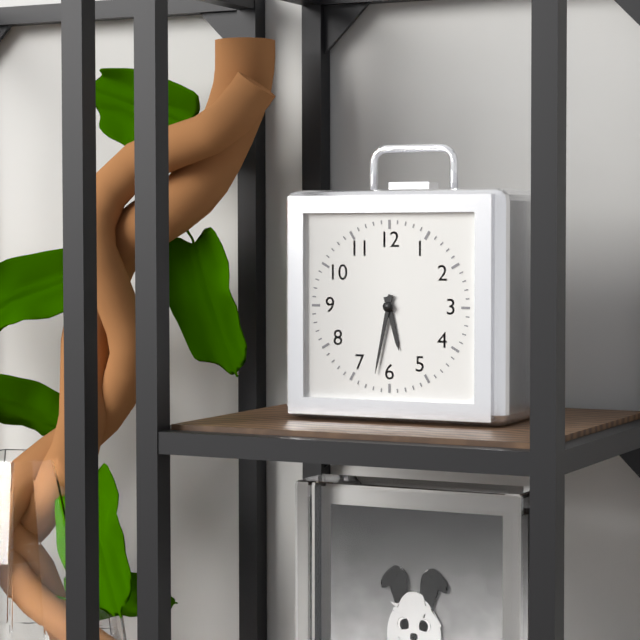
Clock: 5:32
